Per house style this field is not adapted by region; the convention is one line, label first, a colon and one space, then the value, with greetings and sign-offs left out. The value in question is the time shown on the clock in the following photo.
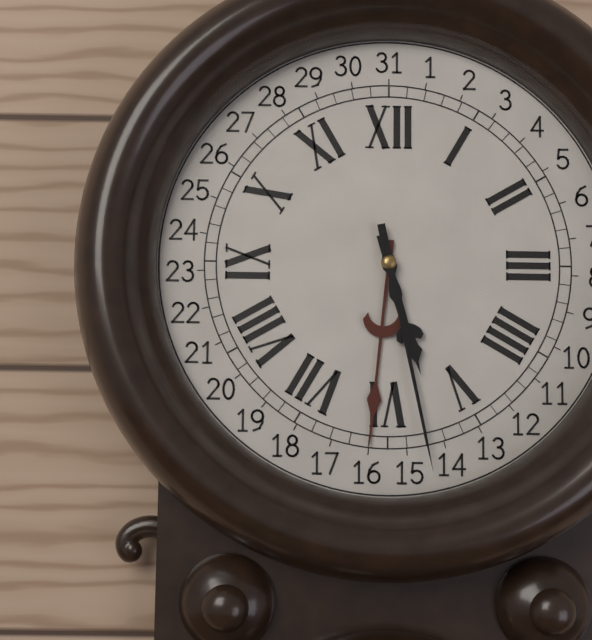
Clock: 5:28
